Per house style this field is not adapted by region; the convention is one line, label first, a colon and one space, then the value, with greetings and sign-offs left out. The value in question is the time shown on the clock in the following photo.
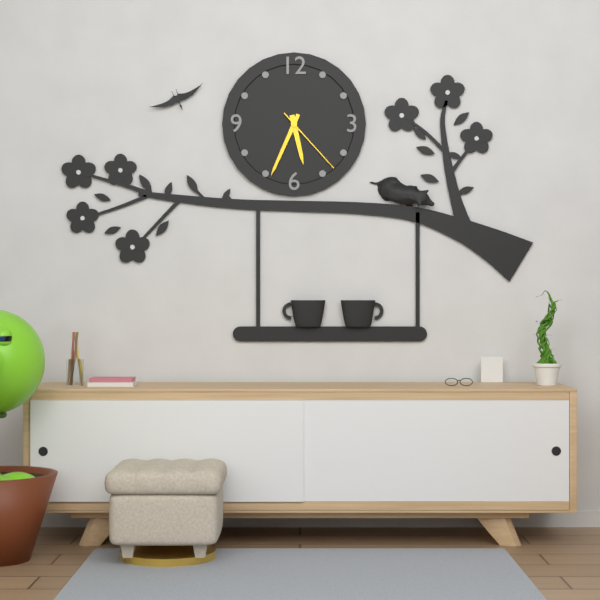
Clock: 5:34:23
